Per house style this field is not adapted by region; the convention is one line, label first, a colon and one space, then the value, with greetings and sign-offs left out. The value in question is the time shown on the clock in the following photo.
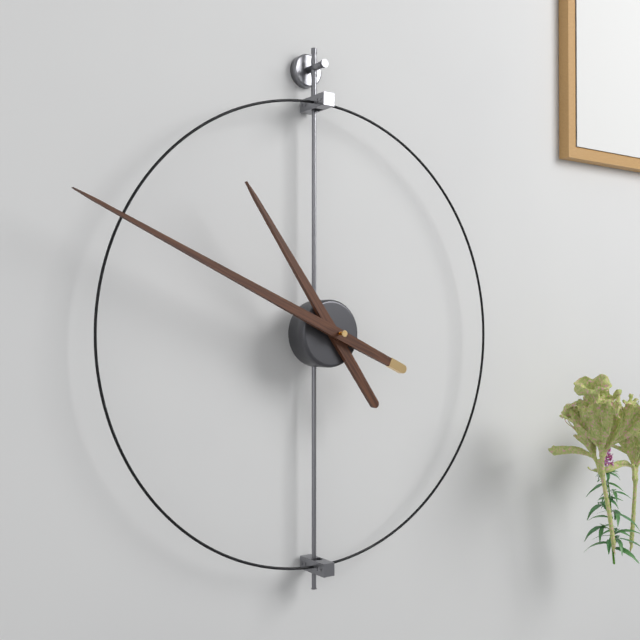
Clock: 10:49
